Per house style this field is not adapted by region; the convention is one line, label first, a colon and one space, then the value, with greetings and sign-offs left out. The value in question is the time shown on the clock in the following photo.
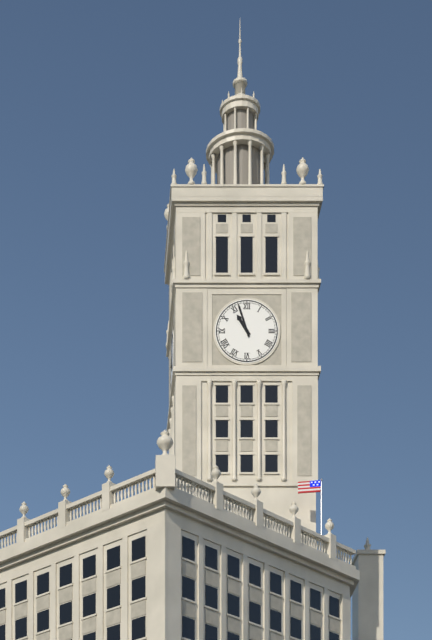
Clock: 10:57
